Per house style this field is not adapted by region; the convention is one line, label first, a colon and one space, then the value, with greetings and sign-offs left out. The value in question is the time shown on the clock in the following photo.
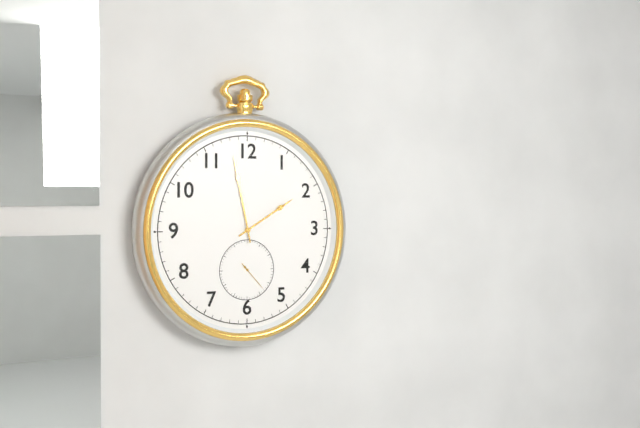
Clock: 1:58
